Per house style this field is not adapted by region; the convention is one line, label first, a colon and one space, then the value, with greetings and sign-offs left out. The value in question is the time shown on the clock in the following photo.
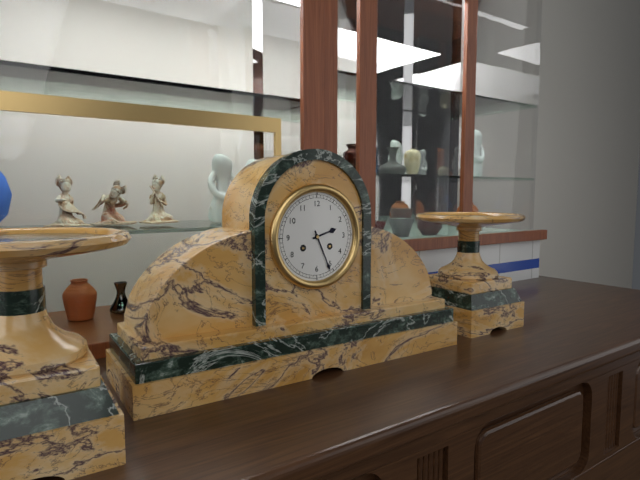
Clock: 2:26
